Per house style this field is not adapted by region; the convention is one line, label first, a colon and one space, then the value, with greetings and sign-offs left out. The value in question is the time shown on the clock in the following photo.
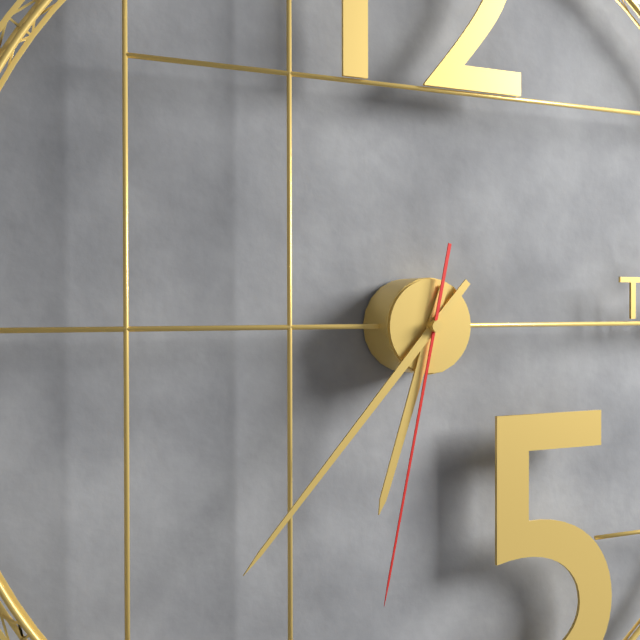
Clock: 6:37:32
